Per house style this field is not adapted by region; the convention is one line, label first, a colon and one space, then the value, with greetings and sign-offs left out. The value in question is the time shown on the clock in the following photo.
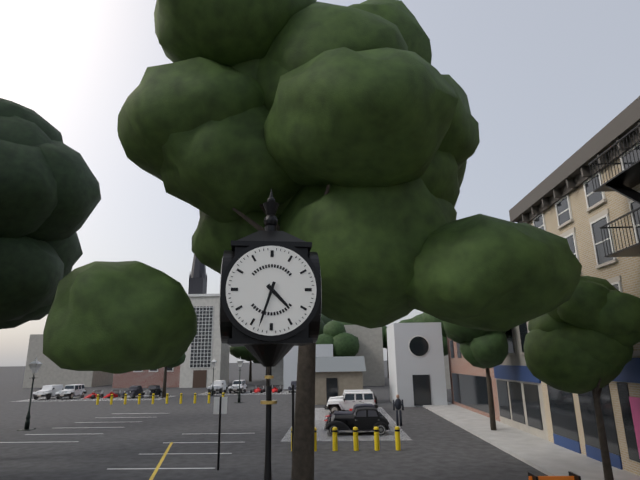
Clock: 4:33
